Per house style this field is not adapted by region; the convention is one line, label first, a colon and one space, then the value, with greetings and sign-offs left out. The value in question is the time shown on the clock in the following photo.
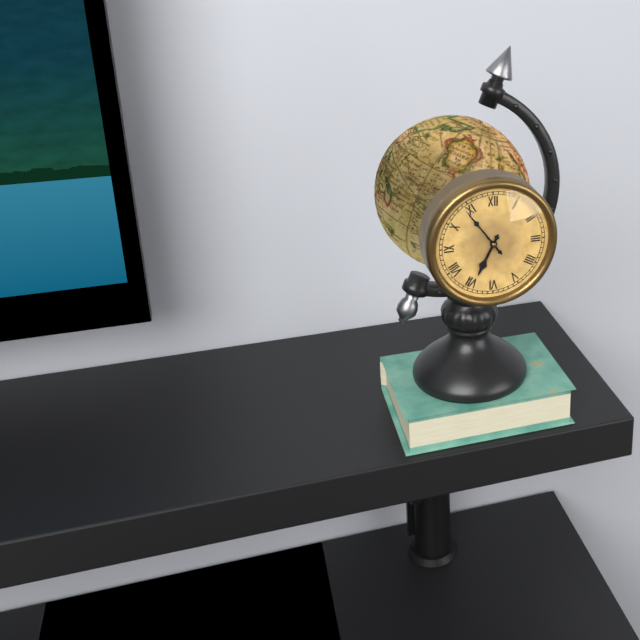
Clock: 6:54
